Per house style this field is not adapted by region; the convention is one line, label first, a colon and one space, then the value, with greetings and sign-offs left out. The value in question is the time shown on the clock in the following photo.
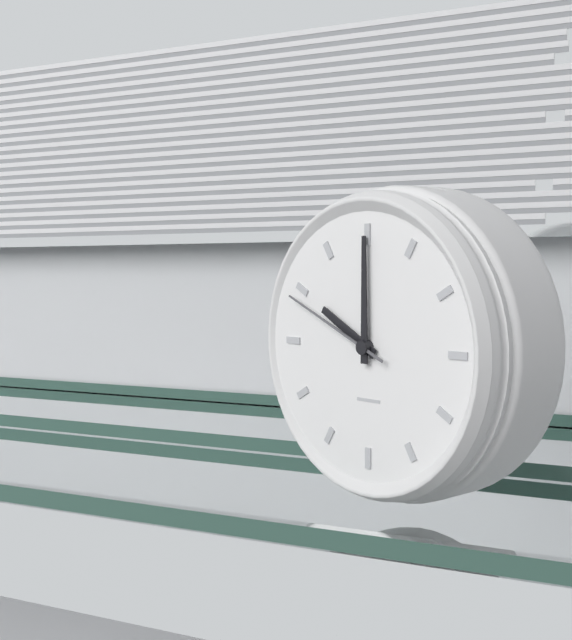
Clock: 10:00:49
